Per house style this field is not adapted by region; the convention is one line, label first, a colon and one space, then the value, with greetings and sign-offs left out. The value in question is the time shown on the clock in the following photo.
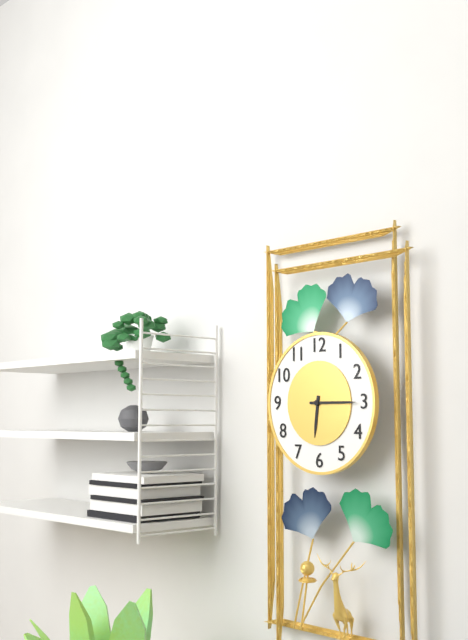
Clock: 6:15
